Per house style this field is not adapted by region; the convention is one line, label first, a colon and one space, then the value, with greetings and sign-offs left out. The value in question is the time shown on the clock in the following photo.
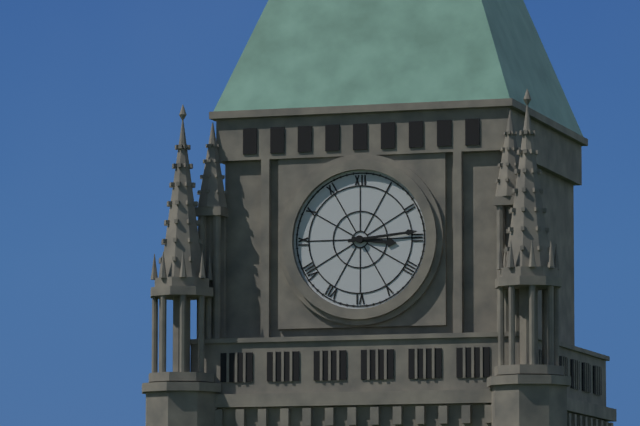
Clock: 3:14
